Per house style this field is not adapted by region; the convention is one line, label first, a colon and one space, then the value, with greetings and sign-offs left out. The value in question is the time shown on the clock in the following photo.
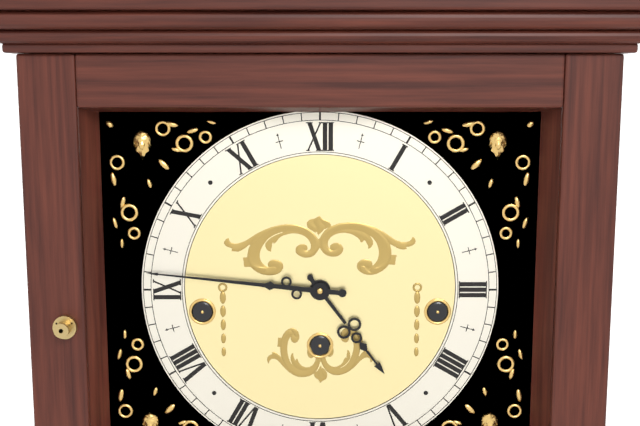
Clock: 4:46
